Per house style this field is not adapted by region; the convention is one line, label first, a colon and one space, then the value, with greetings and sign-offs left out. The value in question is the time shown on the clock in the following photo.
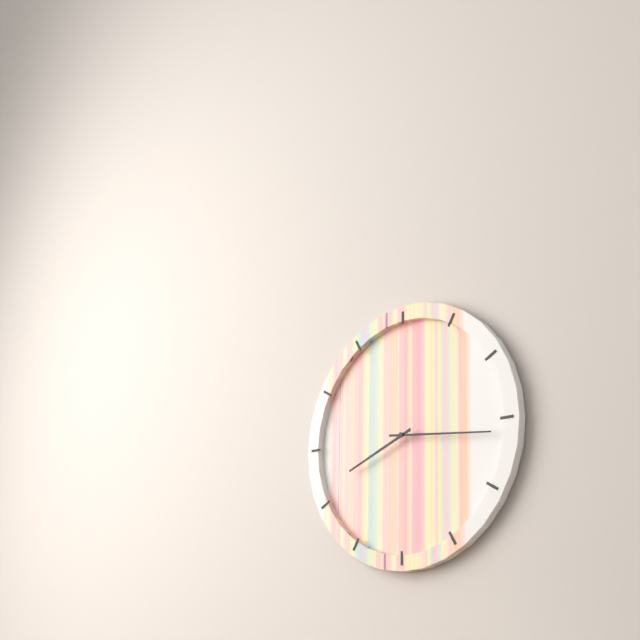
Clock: 8:16
